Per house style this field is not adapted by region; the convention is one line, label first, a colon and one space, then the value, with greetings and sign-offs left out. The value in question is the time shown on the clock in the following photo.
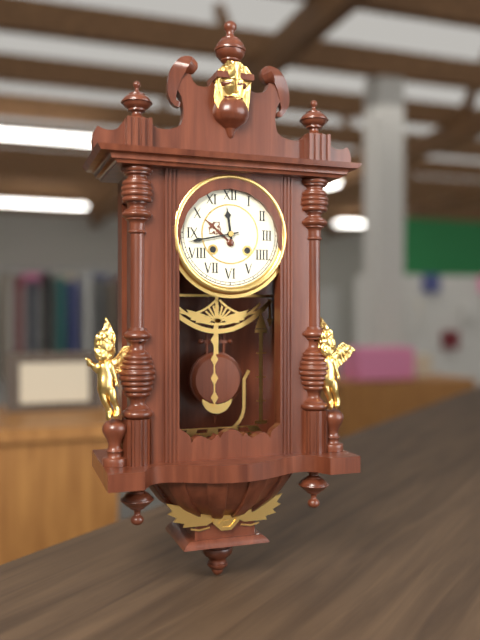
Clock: 11:43
